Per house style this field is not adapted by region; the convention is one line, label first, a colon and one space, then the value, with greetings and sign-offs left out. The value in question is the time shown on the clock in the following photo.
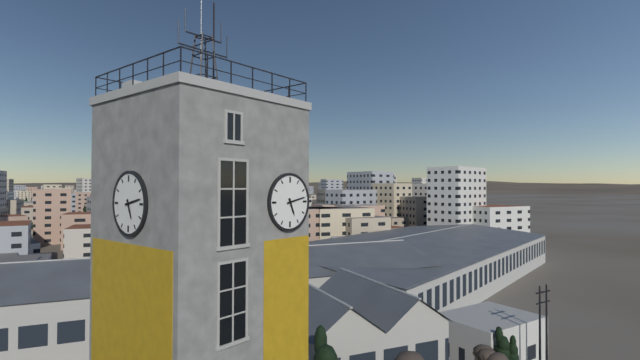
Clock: 5:13
